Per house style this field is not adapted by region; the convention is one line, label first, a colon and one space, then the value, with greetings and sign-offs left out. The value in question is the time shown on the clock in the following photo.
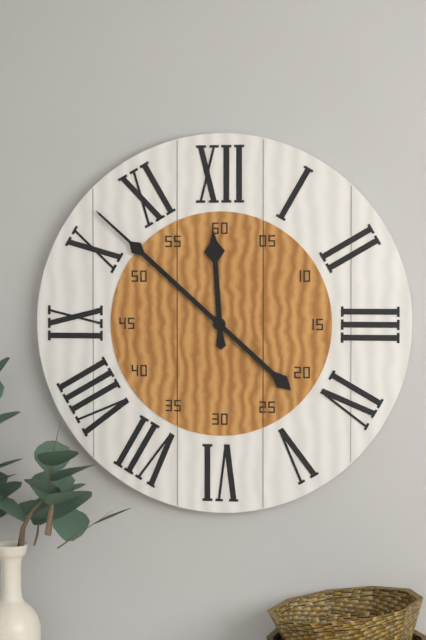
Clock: 11:52
